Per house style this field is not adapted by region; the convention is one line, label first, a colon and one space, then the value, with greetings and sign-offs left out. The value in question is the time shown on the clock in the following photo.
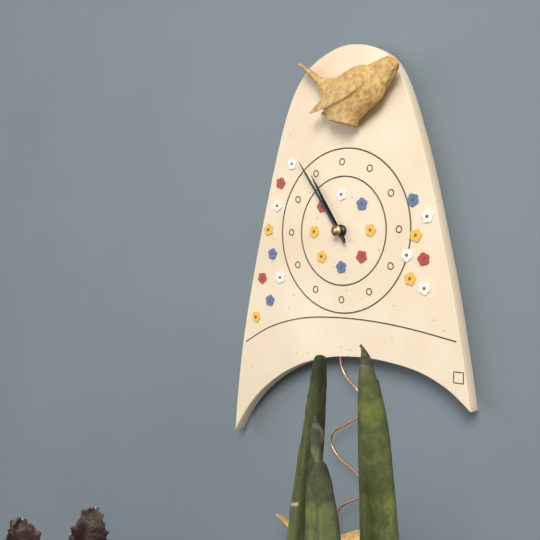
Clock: 10:54
